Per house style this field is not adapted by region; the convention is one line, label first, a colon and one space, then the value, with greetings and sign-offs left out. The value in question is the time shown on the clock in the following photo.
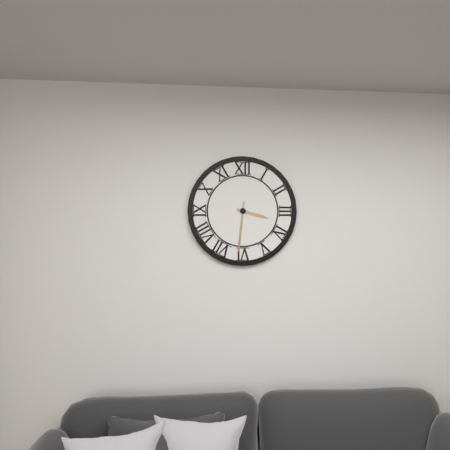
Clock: 3:31
